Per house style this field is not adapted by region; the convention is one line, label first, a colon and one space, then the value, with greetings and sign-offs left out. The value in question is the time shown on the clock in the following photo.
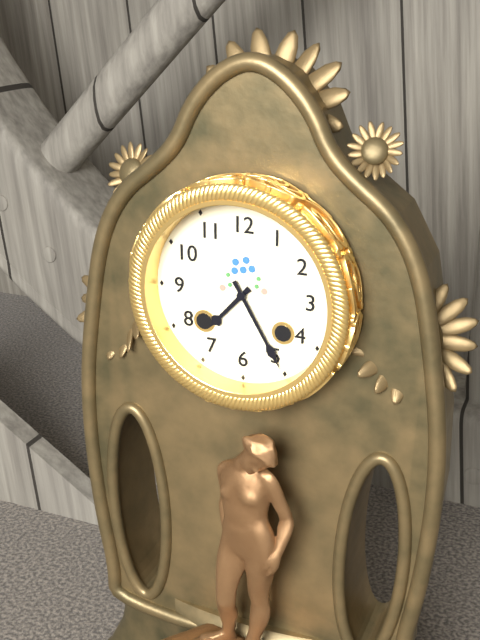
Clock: 7:25
